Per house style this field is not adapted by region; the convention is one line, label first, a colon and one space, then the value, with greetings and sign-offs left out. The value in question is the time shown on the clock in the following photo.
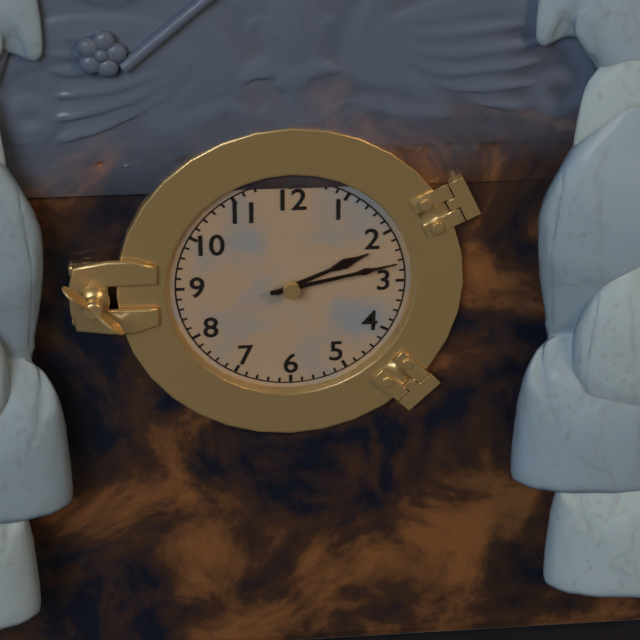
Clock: 2:13
